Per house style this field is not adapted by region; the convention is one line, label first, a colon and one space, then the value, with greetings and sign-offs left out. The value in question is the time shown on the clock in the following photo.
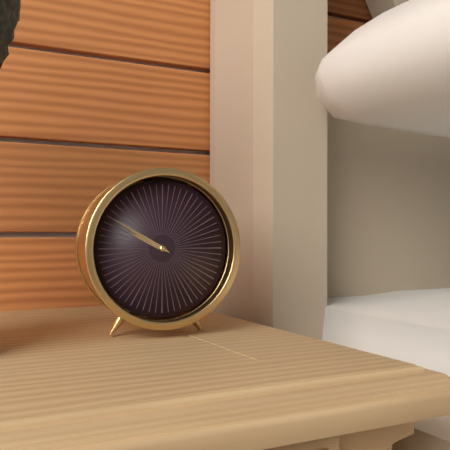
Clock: 9:50
